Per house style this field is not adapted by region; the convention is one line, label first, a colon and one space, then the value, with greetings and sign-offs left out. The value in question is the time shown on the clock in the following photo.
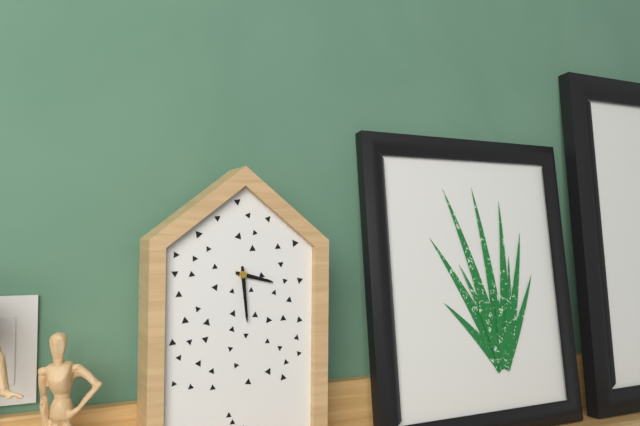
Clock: 3:29
